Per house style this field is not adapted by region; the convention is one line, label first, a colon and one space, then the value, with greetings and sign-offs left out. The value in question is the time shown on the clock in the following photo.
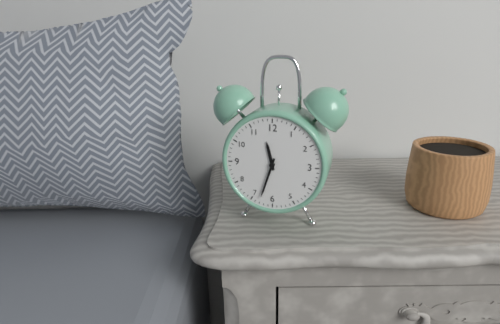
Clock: 11:33
